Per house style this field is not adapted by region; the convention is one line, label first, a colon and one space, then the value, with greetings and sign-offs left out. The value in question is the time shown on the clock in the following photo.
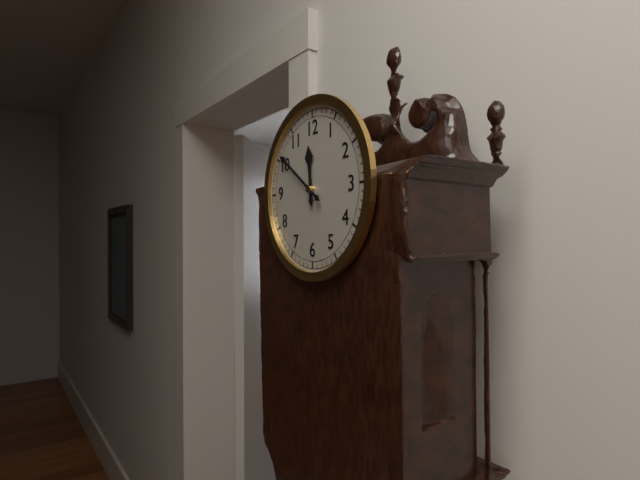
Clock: 11:51
